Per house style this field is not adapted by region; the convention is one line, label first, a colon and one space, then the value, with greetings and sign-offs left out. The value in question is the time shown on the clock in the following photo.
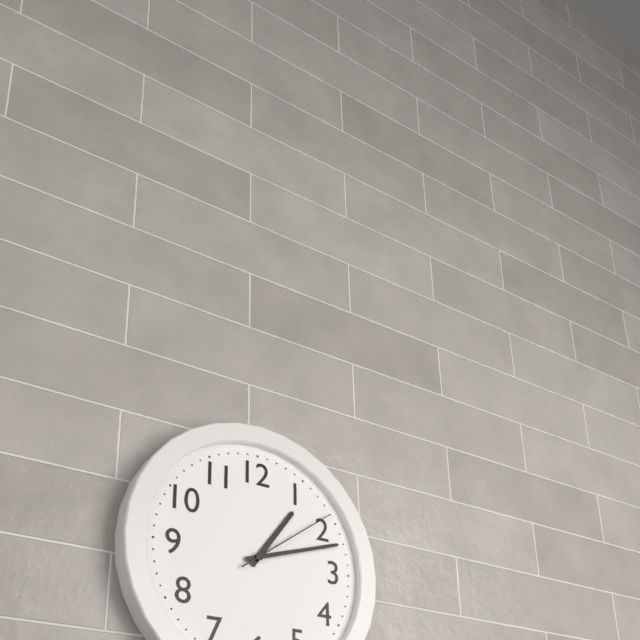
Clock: 1:12:09
